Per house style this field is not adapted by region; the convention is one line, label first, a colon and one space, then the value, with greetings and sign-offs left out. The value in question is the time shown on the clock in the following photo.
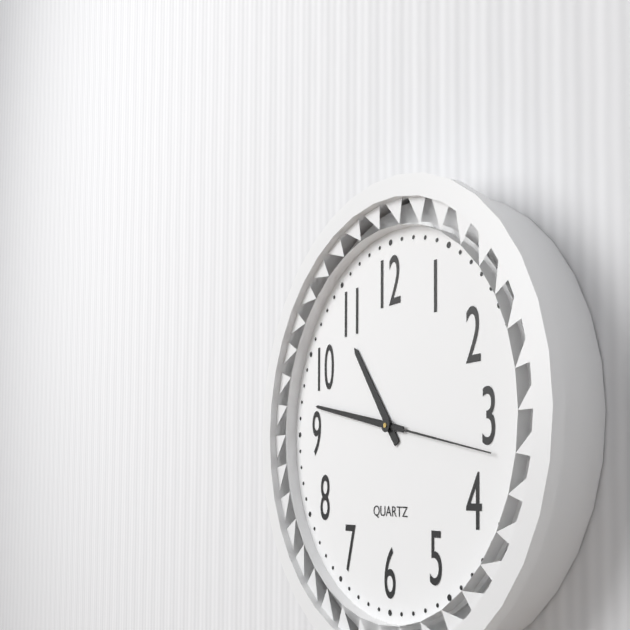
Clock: 10:47:17
